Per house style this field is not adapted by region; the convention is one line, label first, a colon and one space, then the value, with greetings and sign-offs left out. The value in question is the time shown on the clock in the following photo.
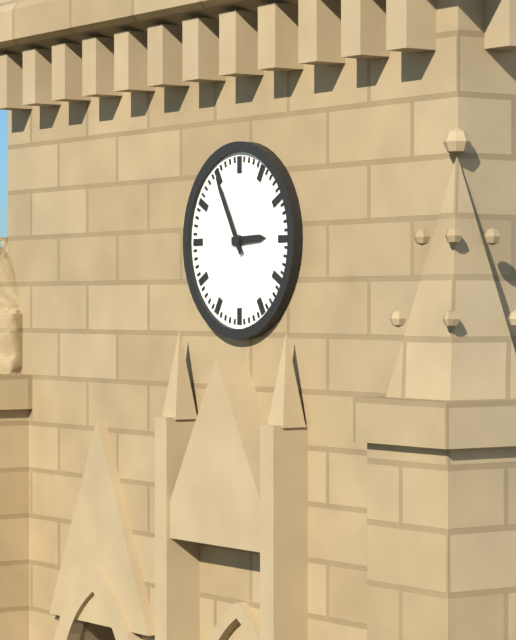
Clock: 2:55
